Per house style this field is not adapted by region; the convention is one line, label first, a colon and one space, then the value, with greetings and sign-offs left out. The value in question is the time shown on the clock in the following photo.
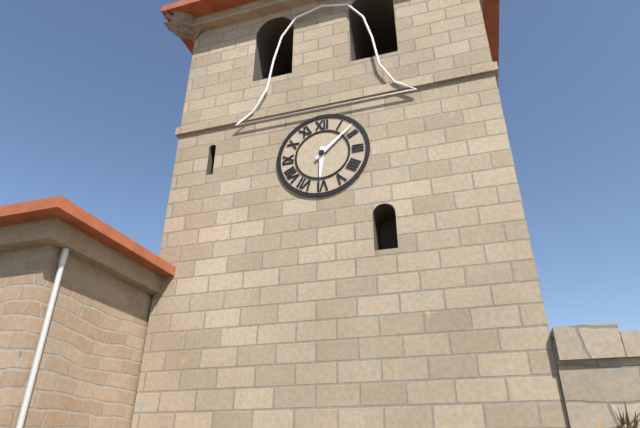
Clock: 6:08
